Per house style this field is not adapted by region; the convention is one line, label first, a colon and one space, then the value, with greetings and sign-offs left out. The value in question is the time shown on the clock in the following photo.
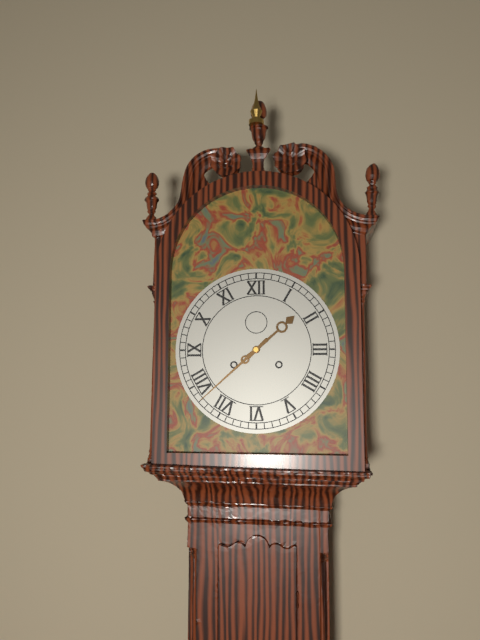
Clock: 1:38
